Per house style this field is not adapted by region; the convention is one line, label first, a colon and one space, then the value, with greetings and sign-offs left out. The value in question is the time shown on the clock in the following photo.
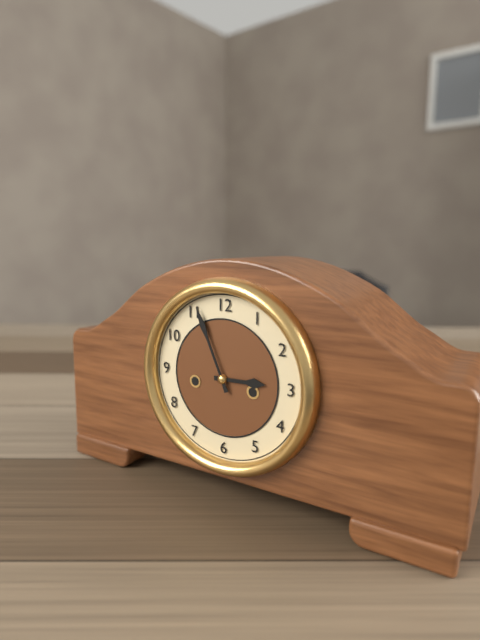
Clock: 2:56
